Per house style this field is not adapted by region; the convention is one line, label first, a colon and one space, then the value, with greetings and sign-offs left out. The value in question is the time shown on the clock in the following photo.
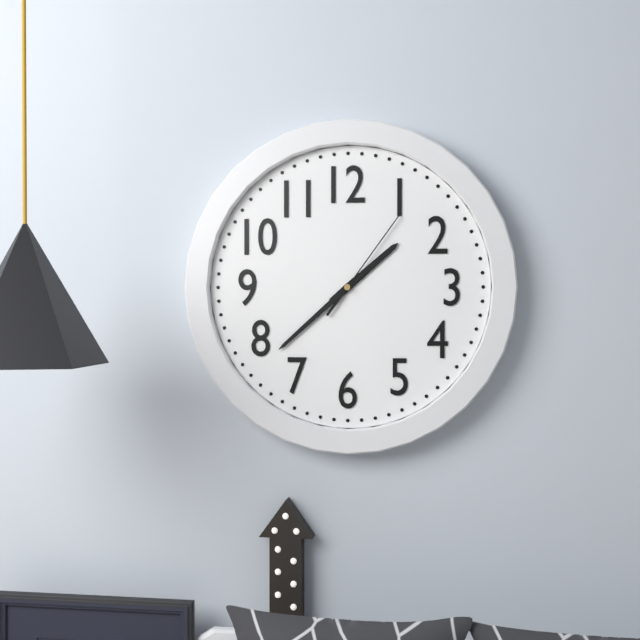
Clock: 1:38:06
